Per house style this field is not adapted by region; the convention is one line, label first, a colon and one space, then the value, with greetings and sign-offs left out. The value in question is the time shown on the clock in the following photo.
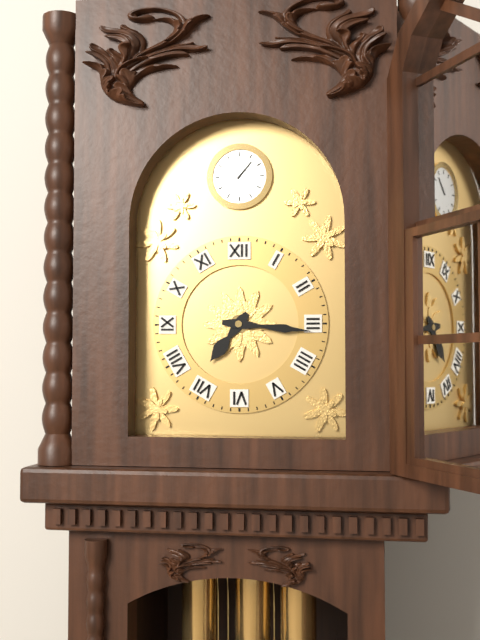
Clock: 7:16
